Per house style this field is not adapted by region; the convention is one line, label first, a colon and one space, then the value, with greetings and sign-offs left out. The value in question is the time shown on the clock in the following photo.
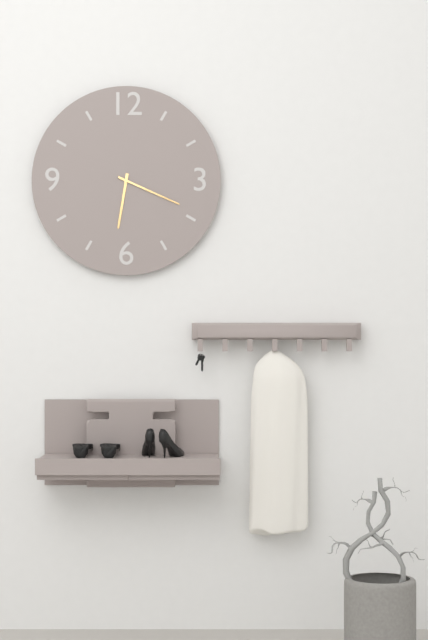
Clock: 6:19
